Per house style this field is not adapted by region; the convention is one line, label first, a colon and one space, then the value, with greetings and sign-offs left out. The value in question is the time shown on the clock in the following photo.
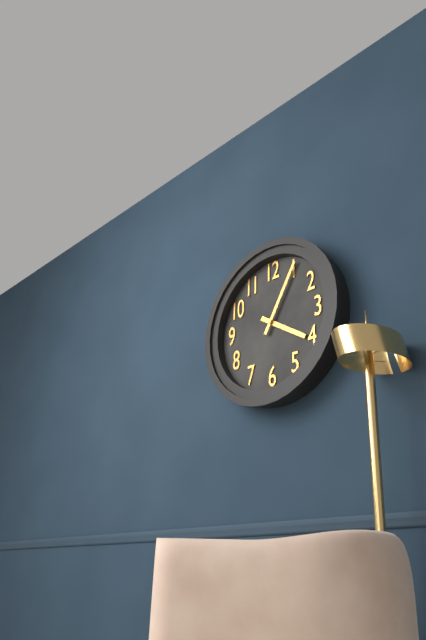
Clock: 4:05
